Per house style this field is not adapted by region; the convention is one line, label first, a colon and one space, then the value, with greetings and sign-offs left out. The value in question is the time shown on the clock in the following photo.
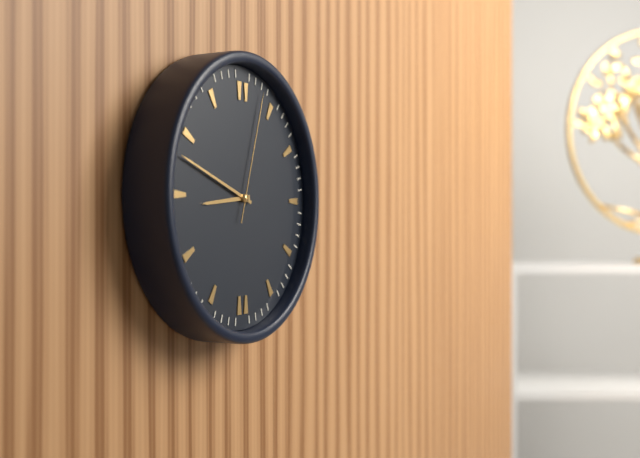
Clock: 8:48:03
